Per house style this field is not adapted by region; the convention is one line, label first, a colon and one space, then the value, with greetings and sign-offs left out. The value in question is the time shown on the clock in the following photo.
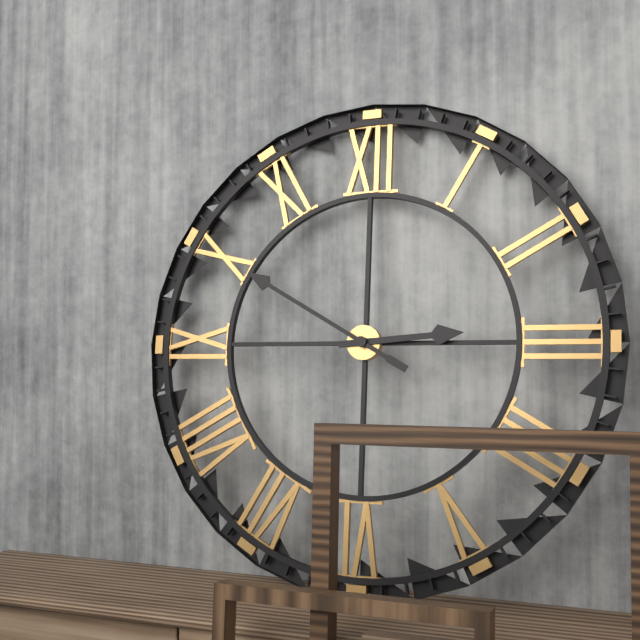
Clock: 2:50
